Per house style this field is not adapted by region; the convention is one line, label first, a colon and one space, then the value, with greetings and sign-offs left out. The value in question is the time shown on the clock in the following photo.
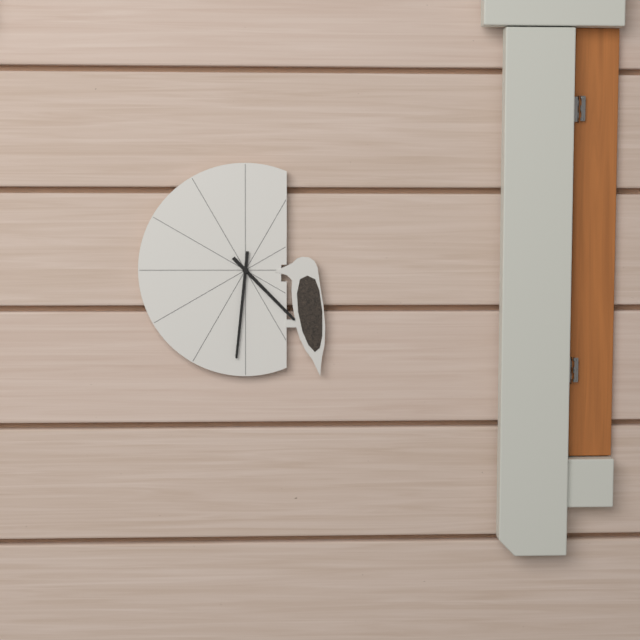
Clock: 4:31
